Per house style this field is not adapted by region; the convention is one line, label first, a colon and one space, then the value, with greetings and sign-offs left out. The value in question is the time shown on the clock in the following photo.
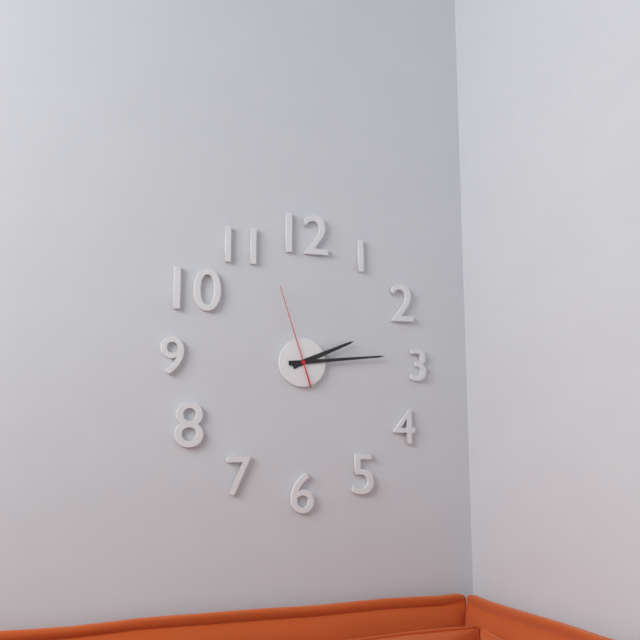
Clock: 2:14:57
